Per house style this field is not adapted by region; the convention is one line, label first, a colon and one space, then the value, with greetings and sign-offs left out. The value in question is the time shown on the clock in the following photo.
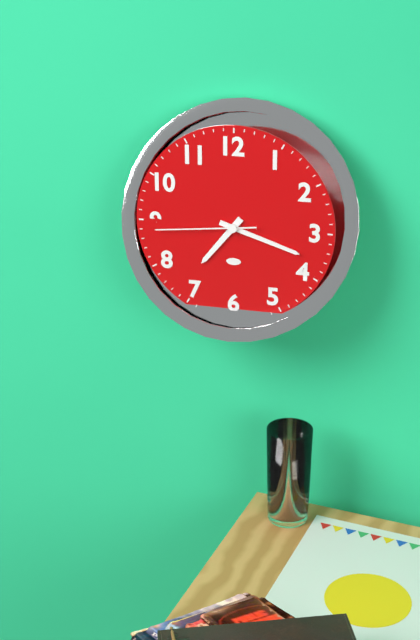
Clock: 7:18:44
